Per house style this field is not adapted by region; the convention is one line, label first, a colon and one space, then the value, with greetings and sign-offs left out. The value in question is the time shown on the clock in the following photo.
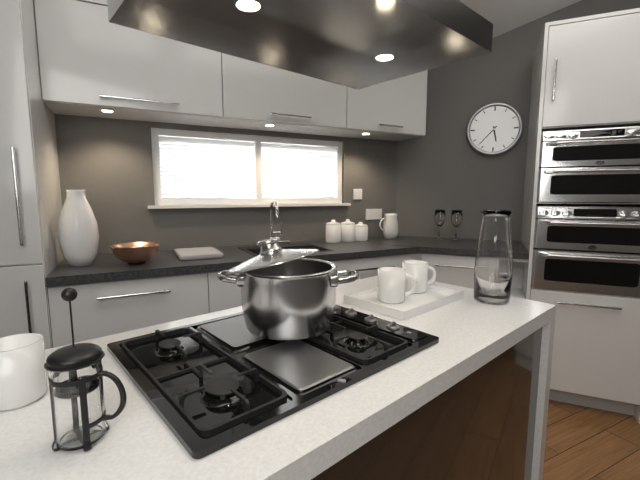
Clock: 5:37
